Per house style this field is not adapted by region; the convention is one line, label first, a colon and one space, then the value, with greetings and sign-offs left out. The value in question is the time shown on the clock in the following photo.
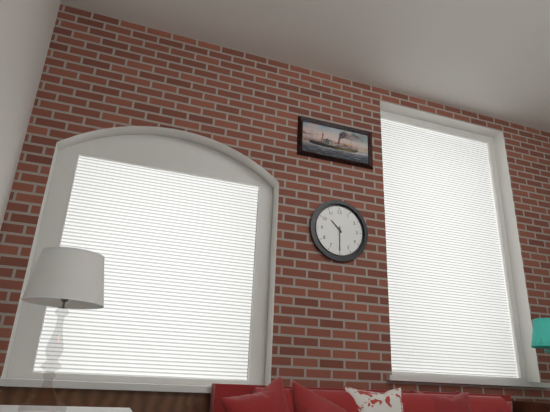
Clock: 10:30
